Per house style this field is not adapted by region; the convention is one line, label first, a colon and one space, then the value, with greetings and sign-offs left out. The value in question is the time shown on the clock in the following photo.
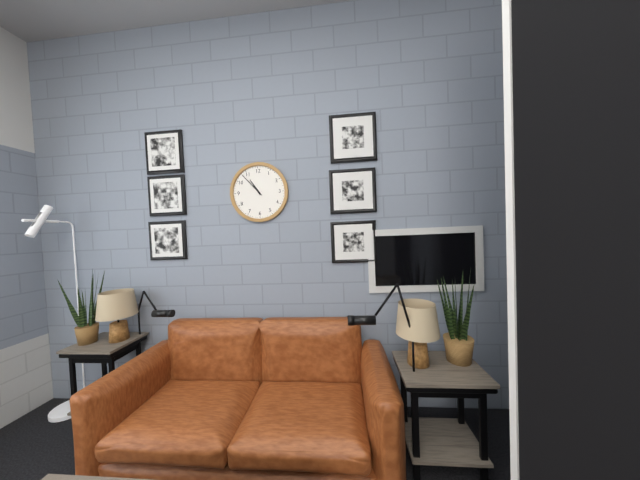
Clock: 10:53
